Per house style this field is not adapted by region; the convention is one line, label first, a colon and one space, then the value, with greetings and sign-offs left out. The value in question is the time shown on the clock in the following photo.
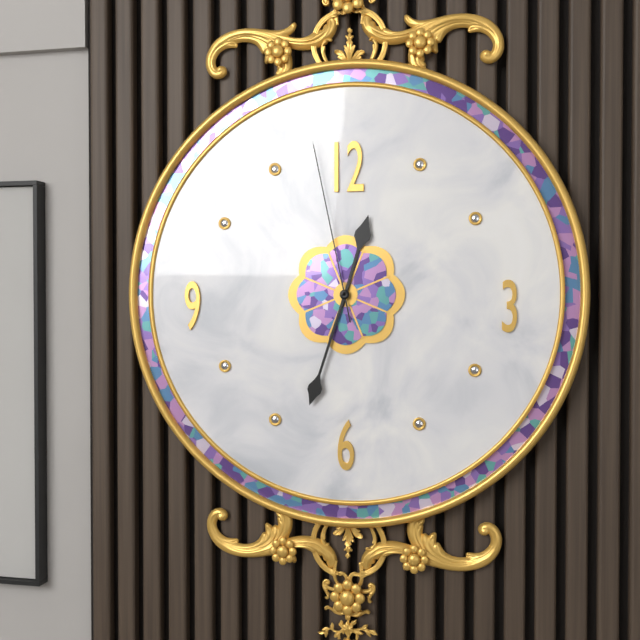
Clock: 12:33:58
